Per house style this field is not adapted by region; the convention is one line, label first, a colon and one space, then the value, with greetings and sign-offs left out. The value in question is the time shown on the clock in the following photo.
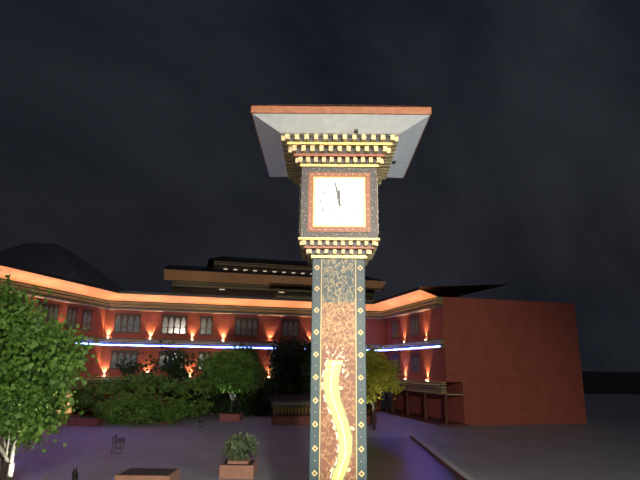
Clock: 11:58
